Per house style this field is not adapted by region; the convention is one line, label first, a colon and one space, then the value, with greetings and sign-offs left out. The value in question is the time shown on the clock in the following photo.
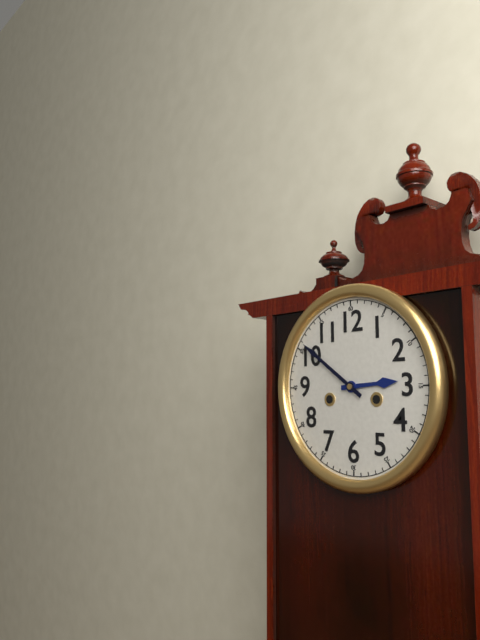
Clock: 2:51
